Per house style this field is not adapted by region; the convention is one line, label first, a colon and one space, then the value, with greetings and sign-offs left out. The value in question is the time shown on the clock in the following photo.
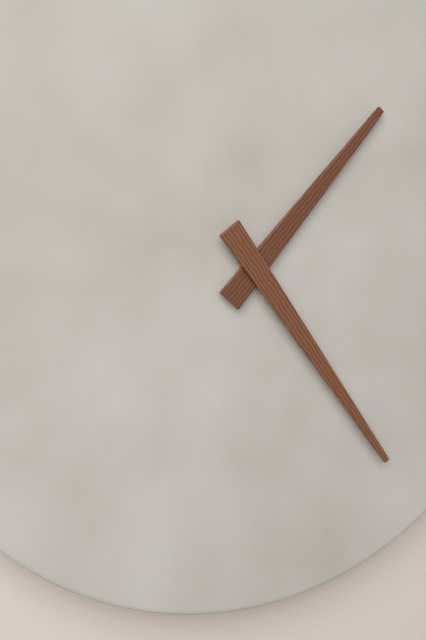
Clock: 1:24
